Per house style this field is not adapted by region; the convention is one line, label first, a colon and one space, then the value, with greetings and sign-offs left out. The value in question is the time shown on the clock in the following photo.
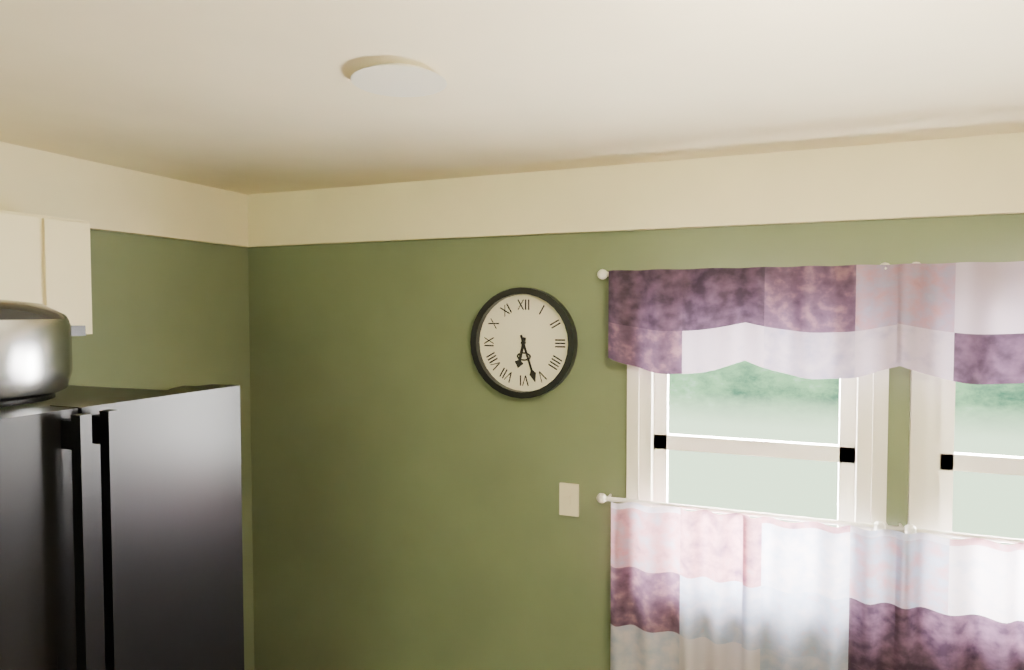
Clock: 6:27
